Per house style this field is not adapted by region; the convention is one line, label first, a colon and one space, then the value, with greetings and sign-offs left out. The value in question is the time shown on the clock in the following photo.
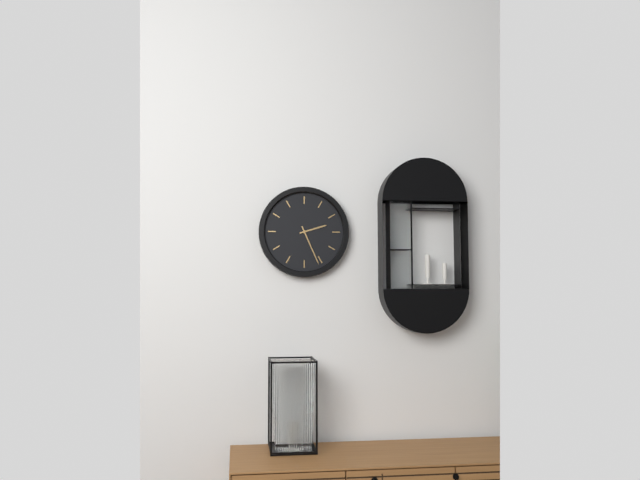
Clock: 2:26
